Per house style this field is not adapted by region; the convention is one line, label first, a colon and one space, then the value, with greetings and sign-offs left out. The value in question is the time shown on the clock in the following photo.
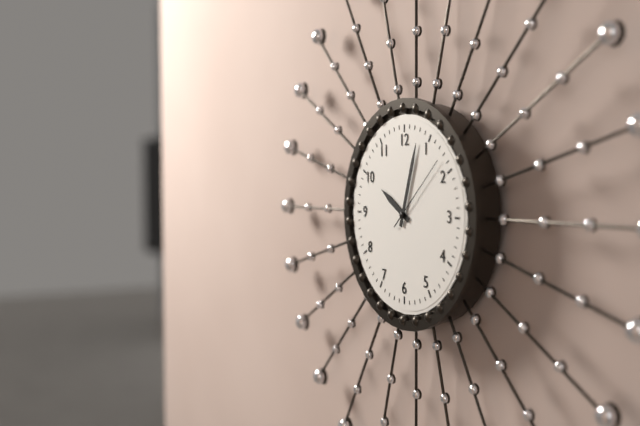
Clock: 10:03:08
